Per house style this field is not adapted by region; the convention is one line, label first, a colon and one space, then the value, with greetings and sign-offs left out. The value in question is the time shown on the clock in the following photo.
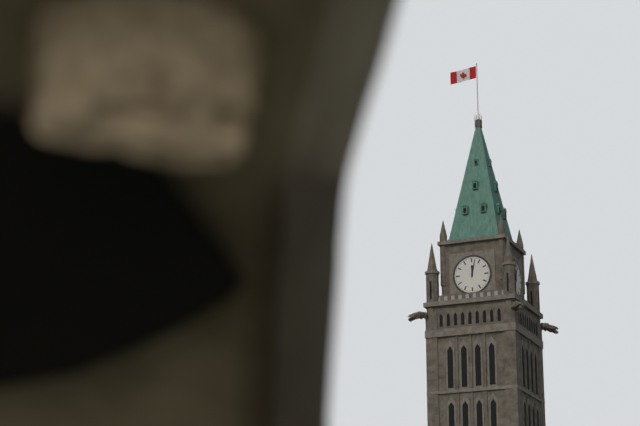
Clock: 12:02
